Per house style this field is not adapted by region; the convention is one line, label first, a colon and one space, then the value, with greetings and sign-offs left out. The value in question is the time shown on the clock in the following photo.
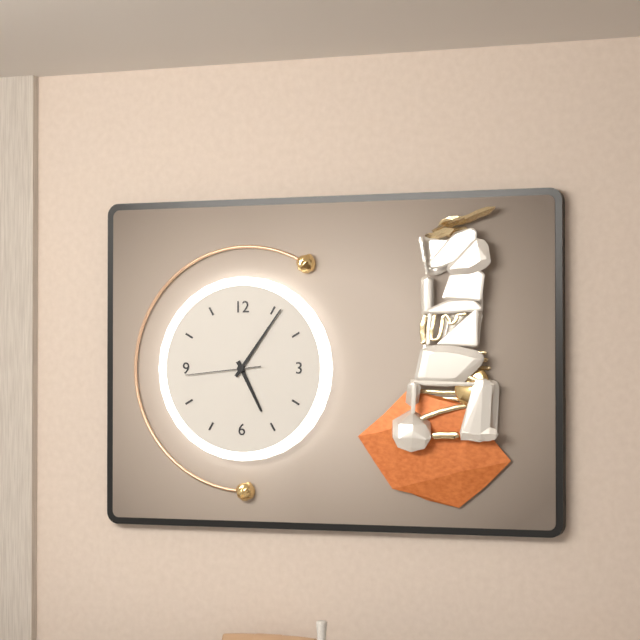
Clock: 5:06:44
